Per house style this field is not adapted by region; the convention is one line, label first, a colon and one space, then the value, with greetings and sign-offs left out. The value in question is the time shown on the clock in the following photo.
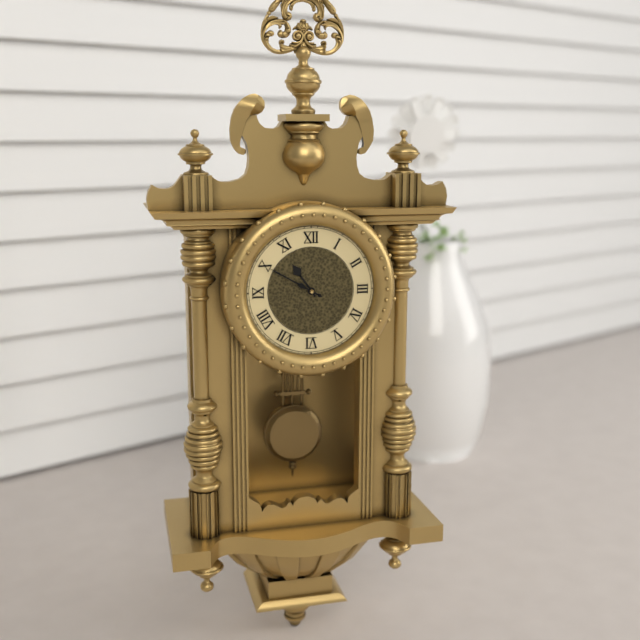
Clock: 10:50
